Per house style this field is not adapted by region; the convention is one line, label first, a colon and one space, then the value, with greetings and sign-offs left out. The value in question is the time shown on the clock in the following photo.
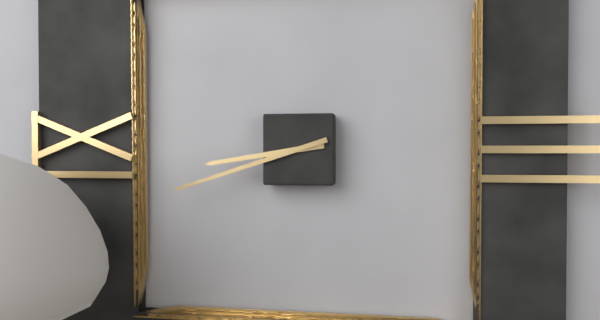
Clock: 8:42
